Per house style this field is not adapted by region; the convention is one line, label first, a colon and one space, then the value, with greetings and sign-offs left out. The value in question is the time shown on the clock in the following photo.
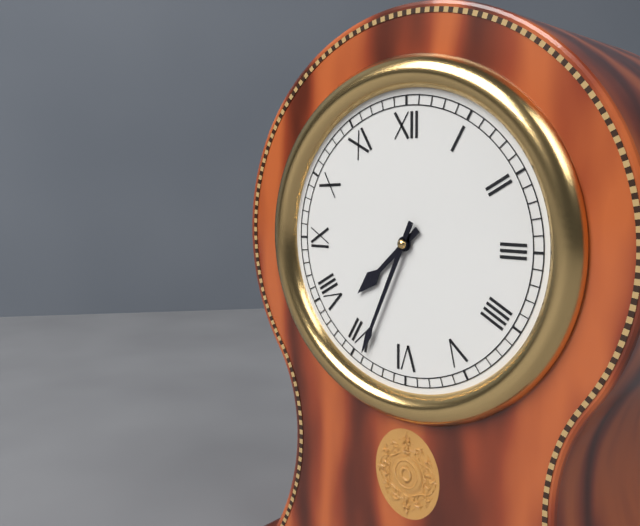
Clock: 7:34
